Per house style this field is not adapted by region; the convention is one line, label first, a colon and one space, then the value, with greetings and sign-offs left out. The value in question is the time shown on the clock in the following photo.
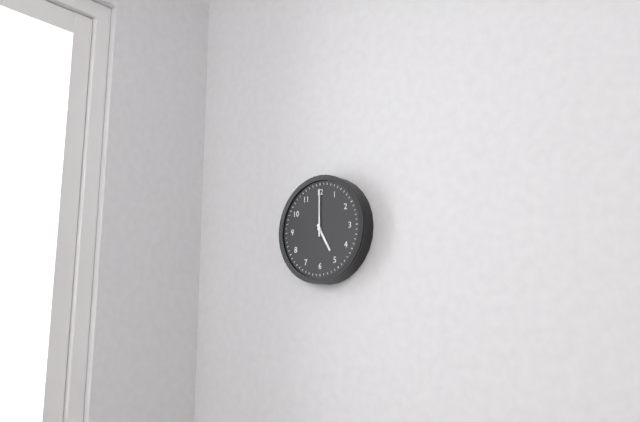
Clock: 5:00
